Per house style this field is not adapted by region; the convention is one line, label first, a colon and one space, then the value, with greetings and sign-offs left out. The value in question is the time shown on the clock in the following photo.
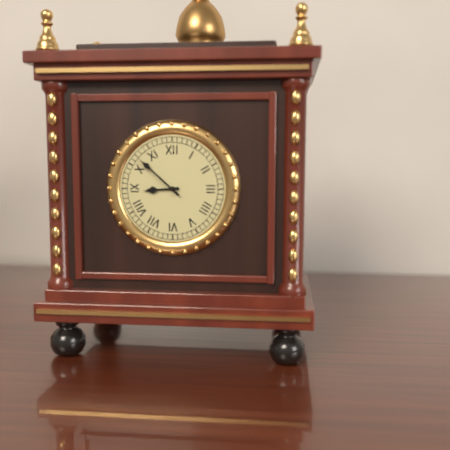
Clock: 8:52
